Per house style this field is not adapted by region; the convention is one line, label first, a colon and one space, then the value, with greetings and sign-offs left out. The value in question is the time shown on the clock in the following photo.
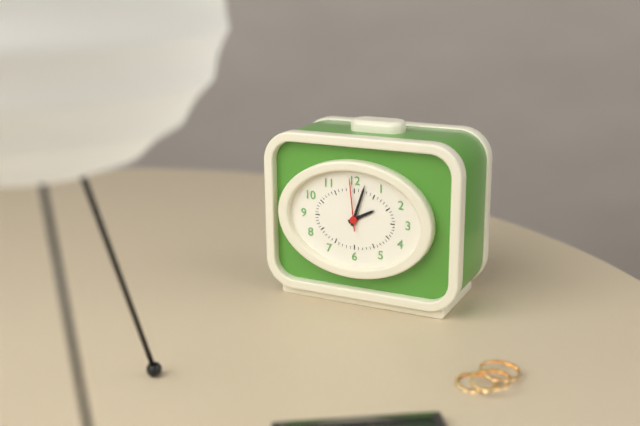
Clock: 2:03:59
